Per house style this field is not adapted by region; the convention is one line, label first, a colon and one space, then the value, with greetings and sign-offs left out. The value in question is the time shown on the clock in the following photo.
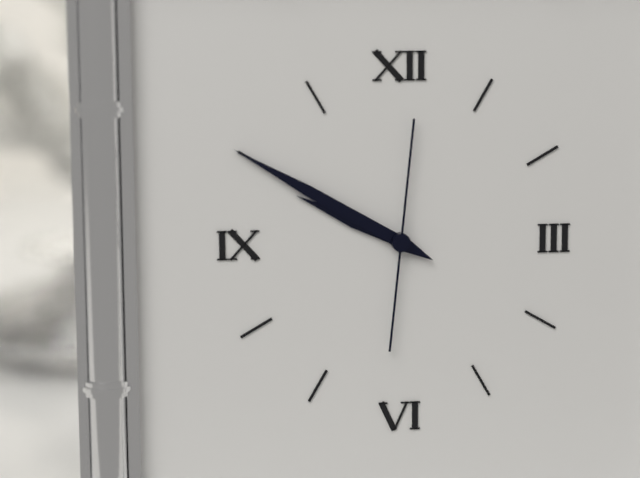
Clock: 9:50:01
